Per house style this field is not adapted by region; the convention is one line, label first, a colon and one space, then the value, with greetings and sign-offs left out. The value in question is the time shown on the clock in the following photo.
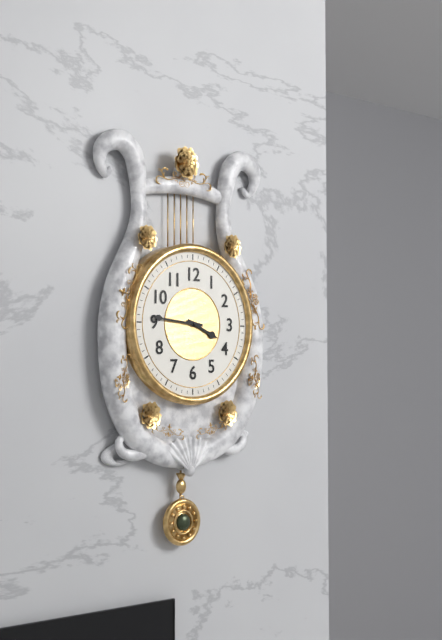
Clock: 3:46
